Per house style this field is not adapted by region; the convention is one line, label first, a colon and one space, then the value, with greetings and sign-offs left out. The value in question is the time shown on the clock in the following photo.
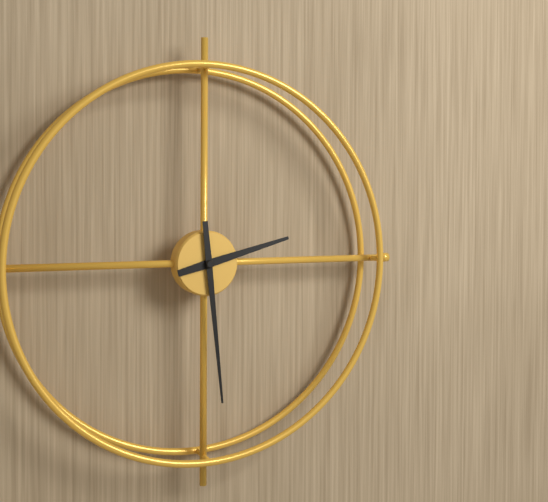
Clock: 2:29
